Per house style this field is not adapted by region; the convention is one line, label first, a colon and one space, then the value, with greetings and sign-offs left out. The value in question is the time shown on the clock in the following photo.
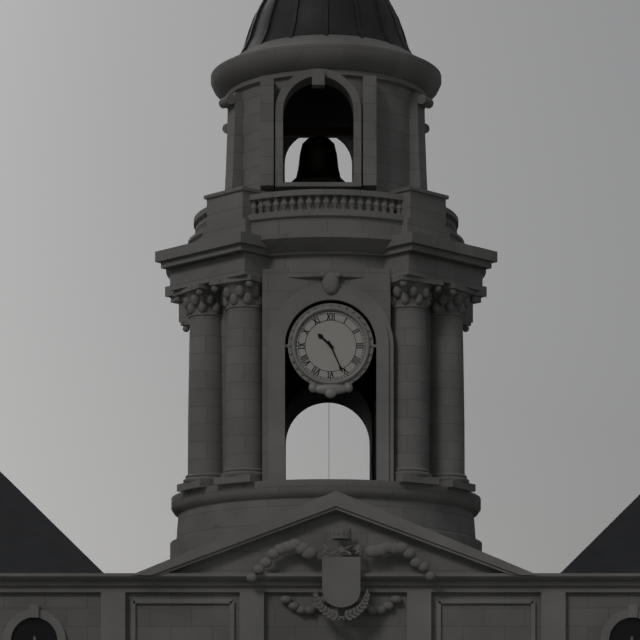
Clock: 10:26
